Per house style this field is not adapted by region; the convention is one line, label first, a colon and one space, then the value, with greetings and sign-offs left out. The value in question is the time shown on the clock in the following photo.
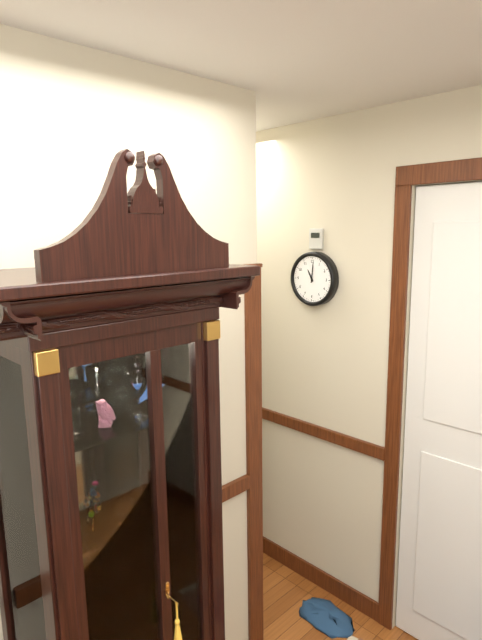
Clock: 11:01
